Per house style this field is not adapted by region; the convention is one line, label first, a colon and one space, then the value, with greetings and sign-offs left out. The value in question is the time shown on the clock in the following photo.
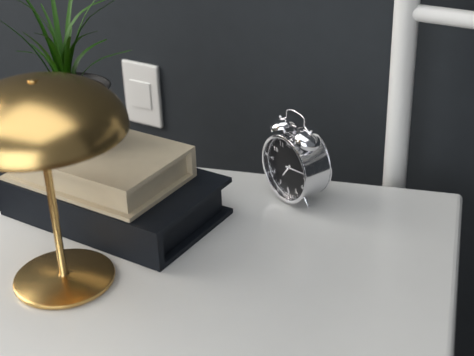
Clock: 7:14
